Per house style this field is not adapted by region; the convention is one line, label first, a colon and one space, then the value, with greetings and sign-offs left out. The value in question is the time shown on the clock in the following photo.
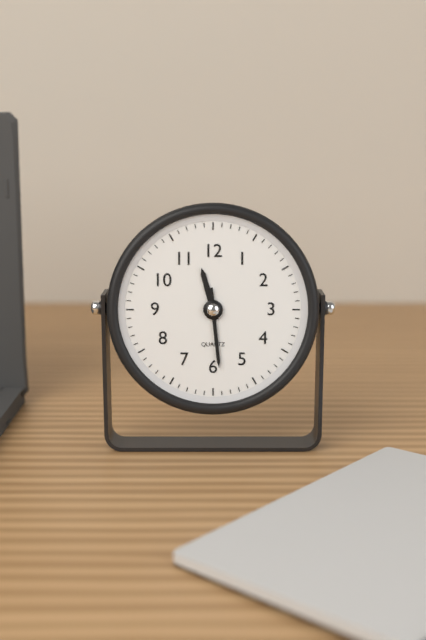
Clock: 11:29
